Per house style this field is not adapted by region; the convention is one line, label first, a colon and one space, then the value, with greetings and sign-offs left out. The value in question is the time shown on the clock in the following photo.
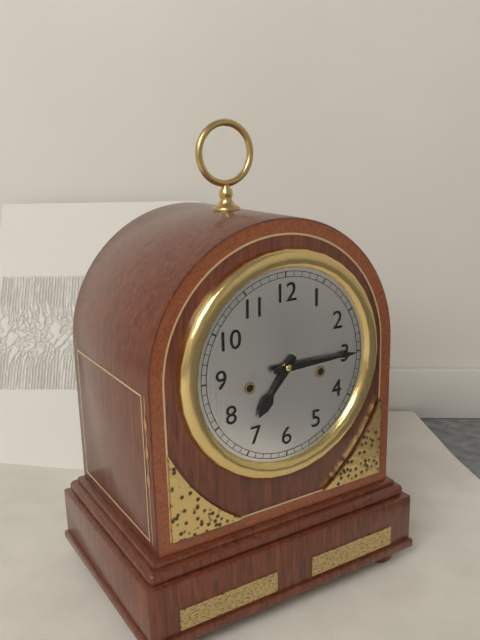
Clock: 7:15
